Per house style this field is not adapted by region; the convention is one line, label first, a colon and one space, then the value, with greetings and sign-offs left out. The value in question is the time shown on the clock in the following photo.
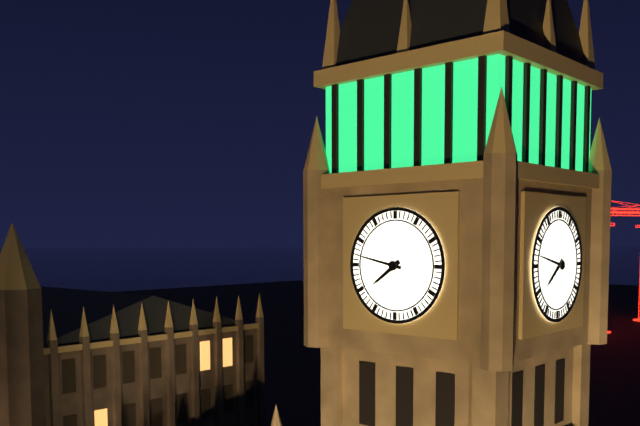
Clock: 7:47
